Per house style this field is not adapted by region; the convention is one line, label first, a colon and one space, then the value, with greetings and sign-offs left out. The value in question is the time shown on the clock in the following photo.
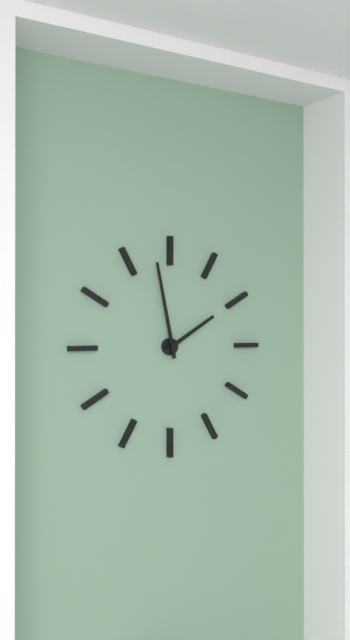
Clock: 1:58
